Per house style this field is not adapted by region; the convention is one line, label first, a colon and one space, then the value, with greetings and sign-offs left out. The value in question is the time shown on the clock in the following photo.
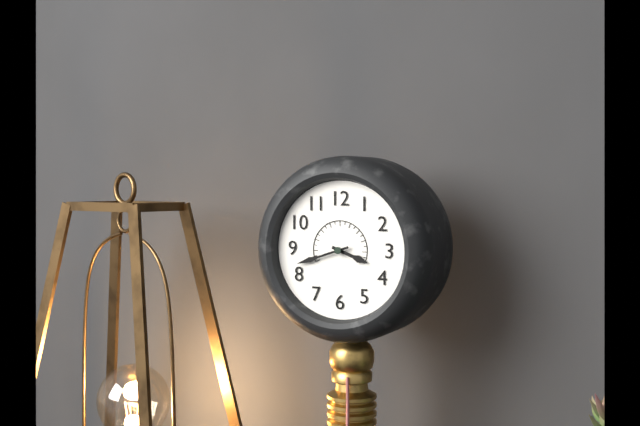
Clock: 3:42
